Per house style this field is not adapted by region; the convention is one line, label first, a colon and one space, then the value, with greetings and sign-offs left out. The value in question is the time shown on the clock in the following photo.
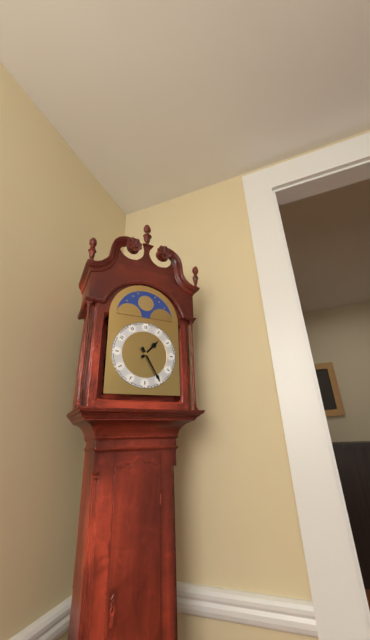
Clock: 1:25
